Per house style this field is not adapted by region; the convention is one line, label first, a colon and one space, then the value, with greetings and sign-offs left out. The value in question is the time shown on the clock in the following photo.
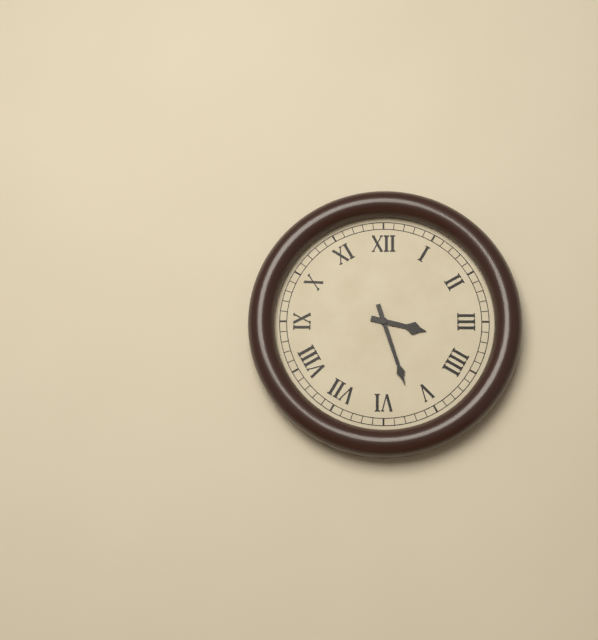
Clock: 3:27
